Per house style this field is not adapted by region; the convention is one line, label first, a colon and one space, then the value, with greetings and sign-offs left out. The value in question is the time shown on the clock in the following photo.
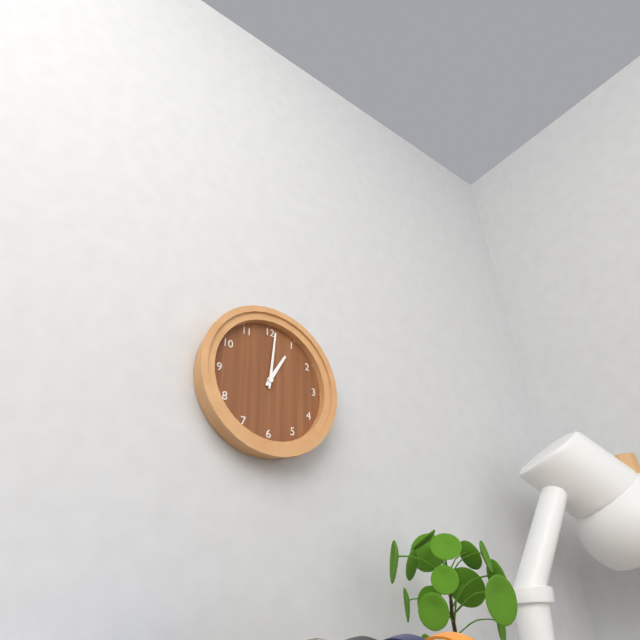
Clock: 1:01
